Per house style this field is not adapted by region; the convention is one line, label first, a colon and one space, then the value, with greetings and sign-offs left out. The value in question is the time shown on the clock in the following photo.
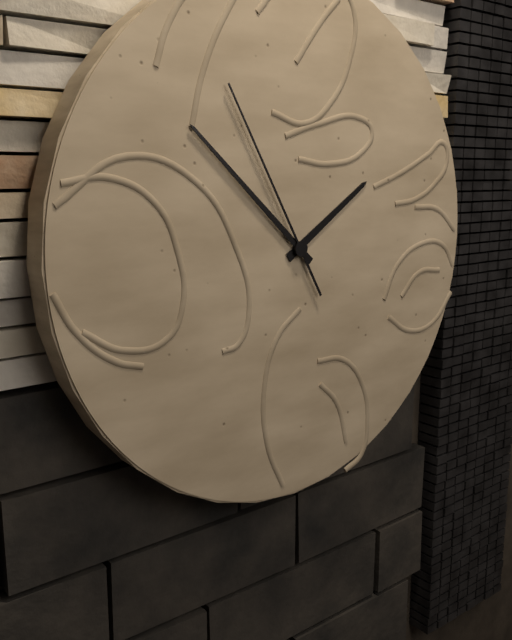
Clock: 1:52:55
